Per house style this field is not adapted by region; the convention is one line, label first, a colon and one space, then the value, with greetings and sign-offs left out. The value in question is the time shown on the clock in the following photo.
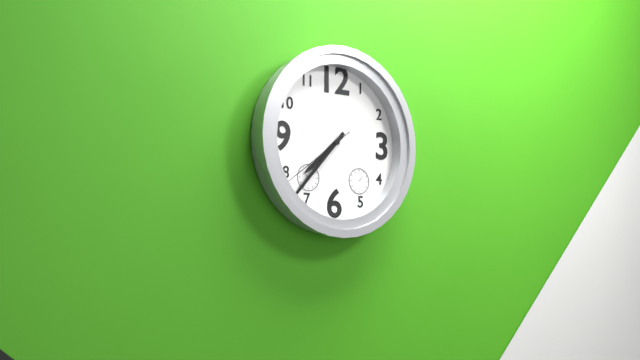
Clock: 7:37:39
